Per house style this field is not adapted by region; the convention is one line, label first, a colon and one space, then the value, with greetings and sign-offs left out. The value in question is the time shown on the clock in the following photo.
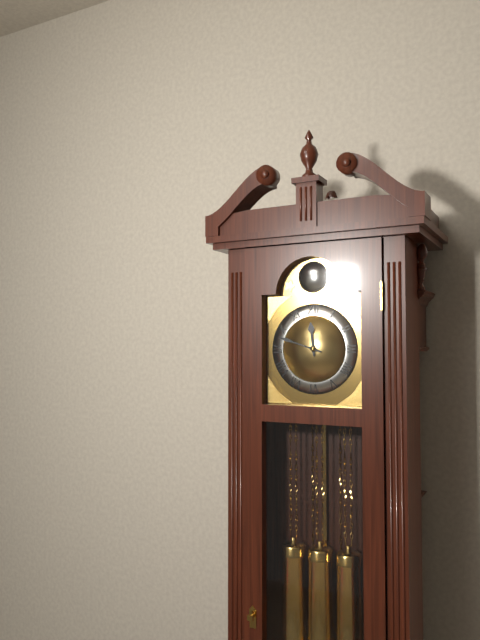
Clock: 11:48
